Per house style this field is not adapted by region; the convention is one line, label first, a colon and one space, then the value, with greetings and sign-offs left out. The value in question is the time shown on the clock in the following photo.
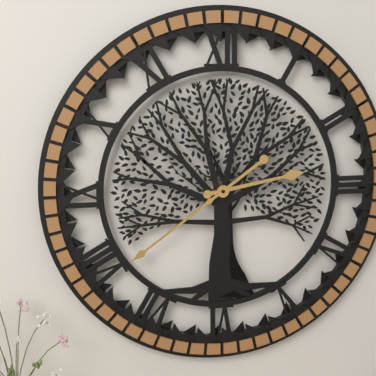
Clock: 2:39
